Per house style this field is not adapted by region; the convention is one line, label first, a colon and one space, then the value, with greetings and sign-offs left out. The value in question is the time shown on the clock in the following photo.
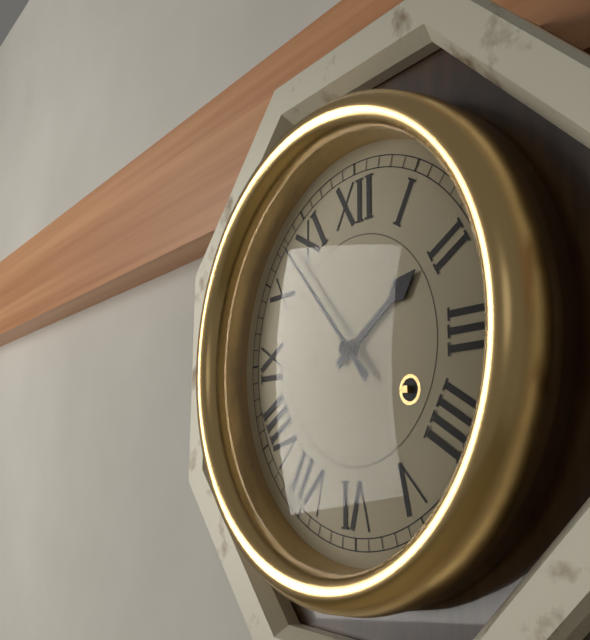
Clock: 1:53
